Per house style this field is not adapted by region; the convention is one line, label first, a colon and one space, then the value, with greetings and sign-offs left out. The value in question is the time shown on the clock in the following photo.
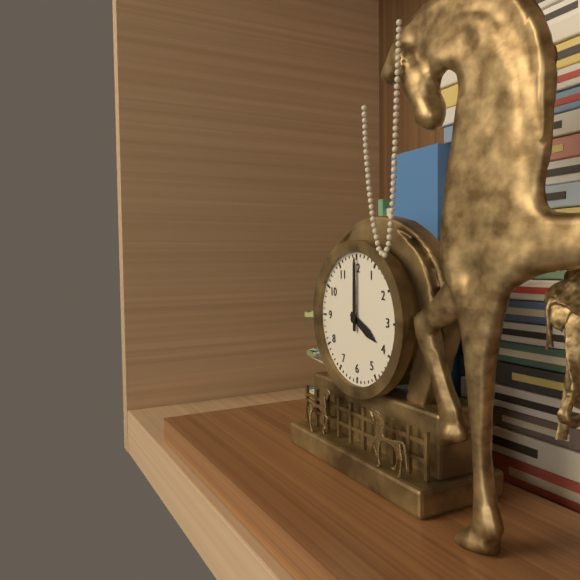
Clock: 4:00
